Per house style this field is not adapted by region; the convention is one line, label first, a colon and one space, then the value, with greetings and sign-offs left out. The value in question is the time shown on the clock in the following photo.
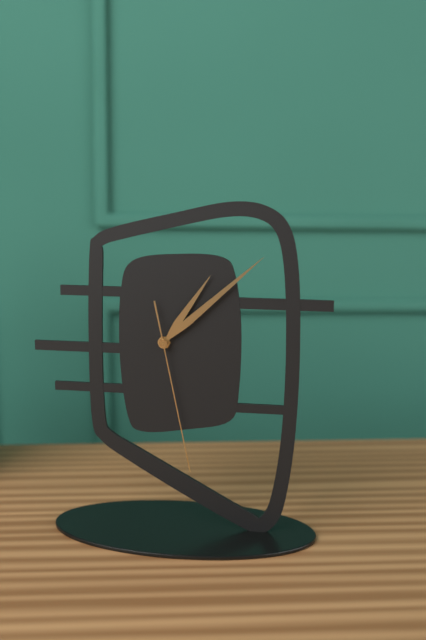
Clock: 1:08:28
